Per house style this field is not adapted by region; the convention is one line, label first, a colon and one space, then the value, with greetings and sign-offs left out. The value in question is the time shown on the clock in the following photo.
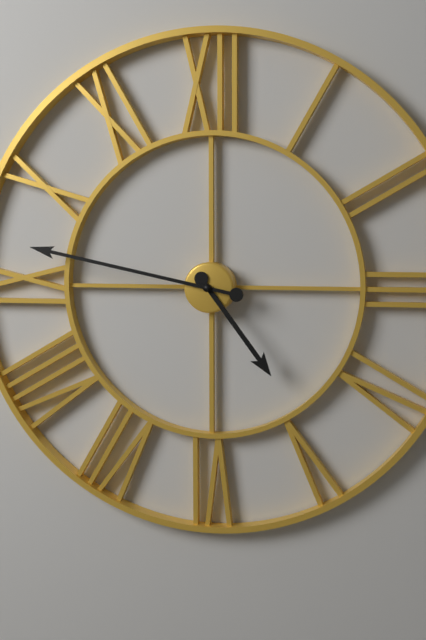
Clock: 4:47
